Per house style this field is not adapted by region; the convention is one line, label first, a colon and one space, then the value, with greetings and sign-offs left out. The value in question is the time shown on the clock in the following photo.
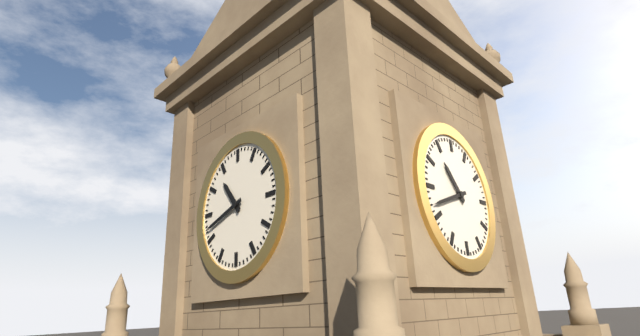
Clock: 10:42
